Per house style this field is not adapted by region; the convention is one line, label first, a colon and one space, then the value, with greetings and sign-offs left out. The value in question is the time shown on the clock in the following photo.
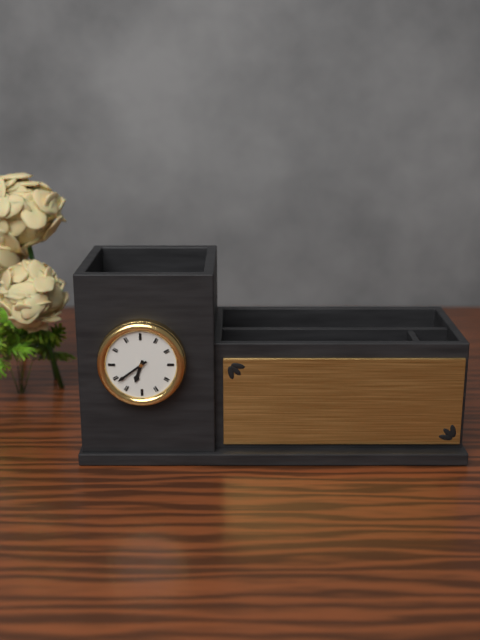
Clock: 6:39
